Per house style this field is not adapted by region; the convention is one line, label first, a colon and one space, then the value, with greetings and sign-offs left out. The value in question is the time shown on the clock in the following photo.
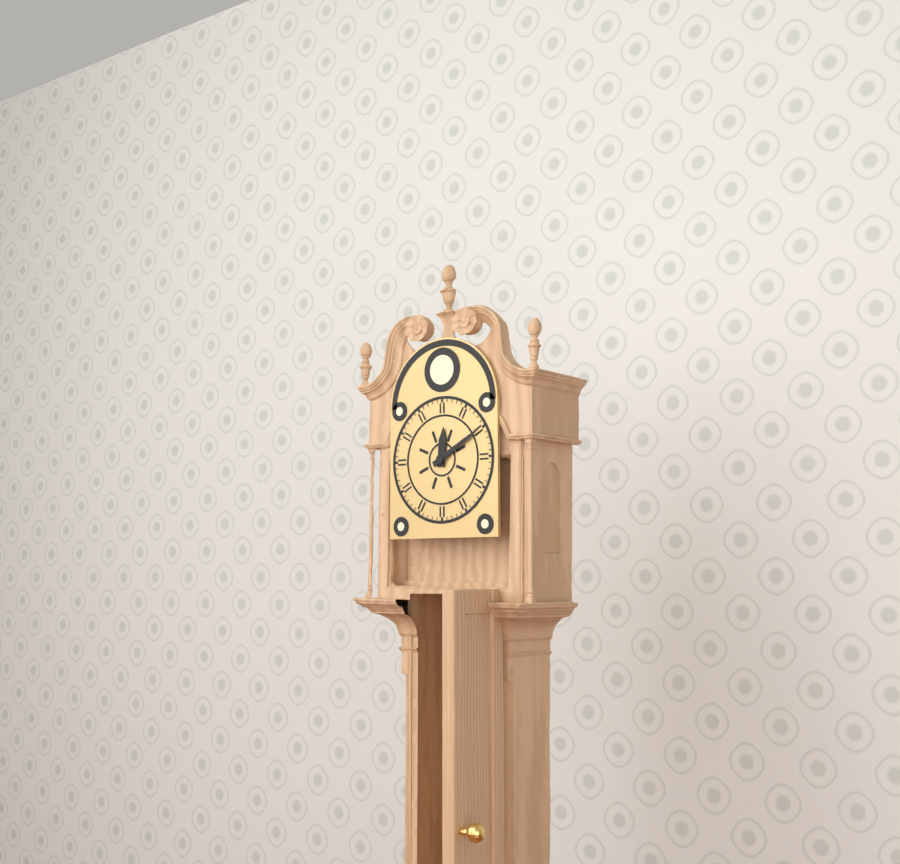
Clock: 12:10
